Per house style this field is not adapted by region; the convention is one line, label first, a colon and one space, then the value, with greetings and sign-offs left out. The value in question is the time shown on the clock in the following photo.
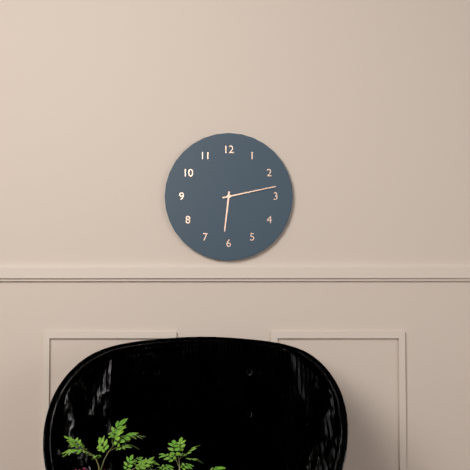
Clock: 6:13
